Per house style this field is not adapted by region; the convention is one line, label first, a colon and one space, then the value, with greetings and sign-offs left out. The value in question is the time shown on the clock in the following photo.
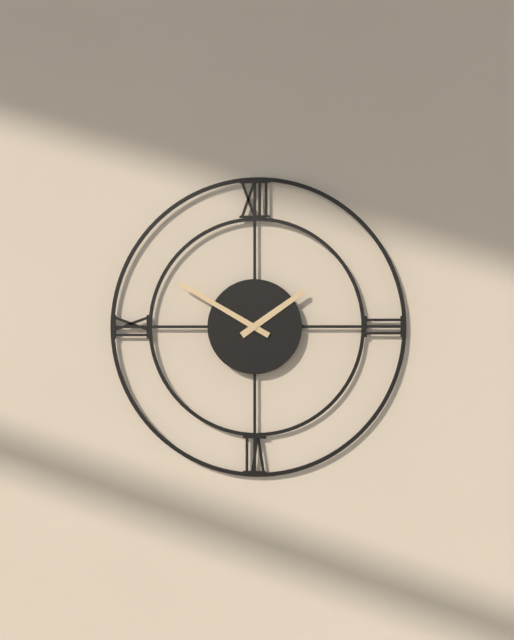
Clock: 1:50
